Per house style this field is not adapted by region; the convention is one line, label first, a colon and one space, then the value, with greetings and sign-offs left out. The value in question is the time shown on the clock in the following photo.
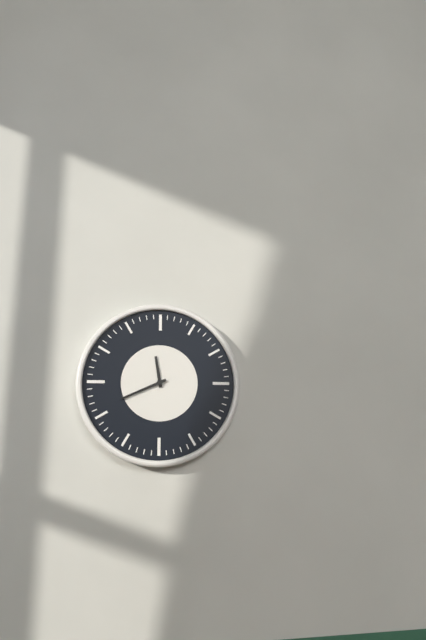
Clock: 11:41
